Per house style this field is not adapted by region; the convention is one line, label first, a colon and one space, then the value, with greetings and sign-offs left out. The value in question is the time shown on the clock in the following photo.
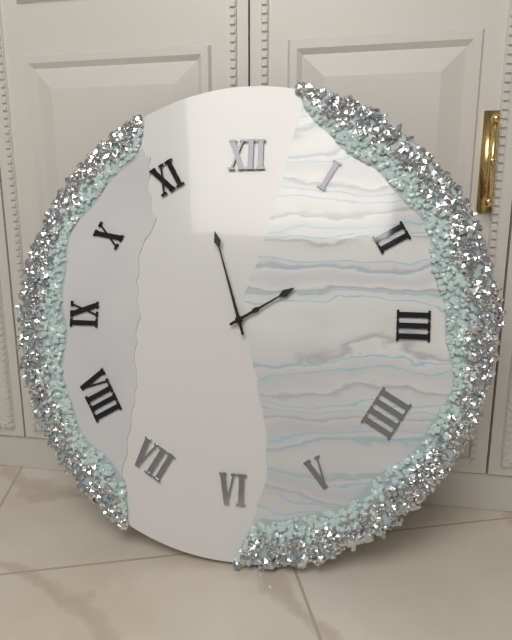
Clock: 1:57
